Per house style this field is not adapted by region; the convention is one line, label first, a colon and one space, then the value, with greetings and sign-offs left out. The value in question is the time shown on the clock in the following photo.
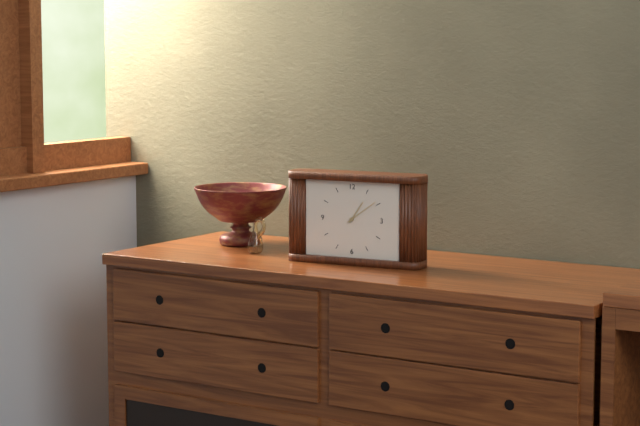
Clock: 1:09
